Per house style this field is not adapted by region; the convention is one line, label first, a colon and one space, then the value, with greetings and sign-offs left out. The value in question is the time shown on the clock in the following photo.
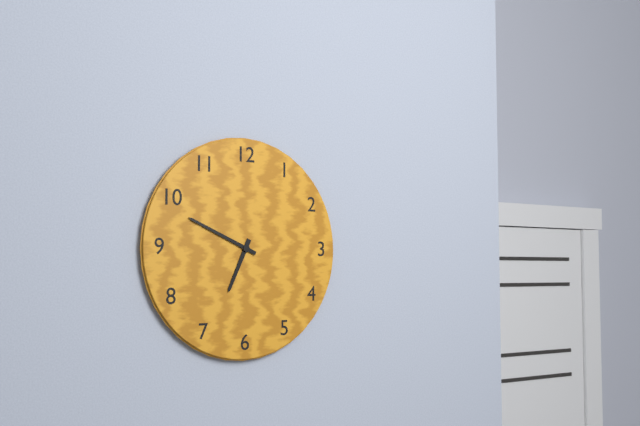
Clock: 6:49
